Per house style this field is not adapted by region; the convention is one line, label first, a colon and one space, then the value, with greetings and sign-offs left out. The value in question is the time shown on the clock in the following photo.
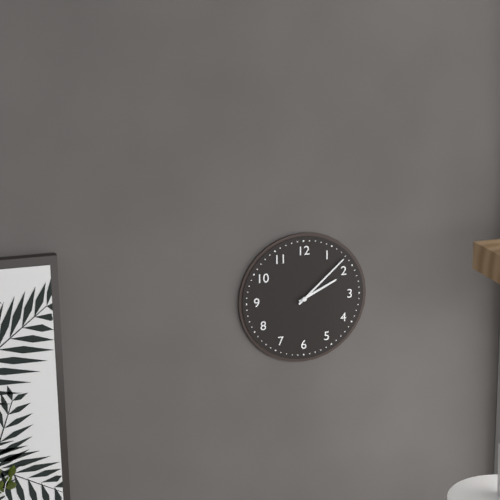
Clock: 2:08
